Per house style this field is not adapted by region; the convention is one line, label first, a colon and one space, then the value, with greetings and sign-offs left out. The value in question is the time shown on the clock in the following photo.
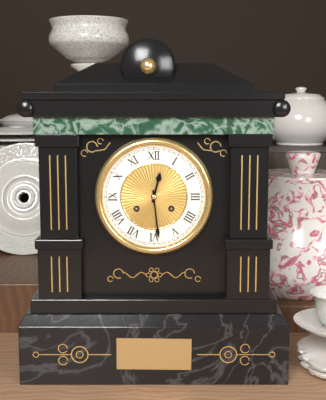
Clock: 12:29
